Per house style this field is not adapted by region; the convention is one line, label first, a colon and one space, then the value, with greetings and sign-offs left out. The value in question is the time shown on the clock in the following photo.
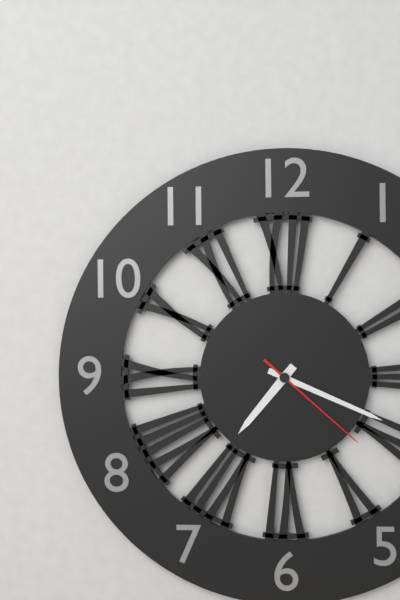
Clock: 7:19:22
